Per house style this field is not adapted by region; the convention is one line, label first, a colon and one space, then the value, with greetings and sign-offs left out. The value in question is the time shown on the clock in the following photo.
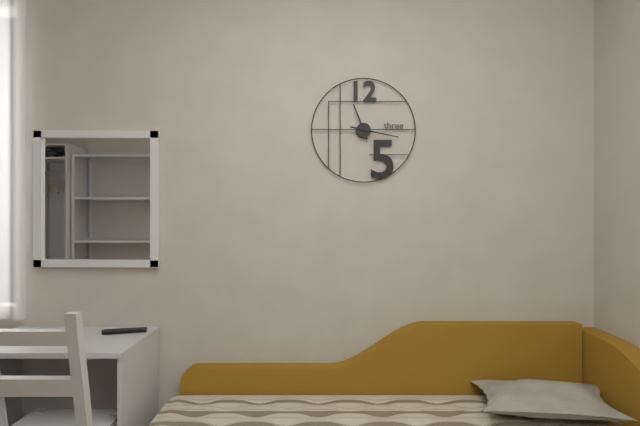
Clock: 11:17
